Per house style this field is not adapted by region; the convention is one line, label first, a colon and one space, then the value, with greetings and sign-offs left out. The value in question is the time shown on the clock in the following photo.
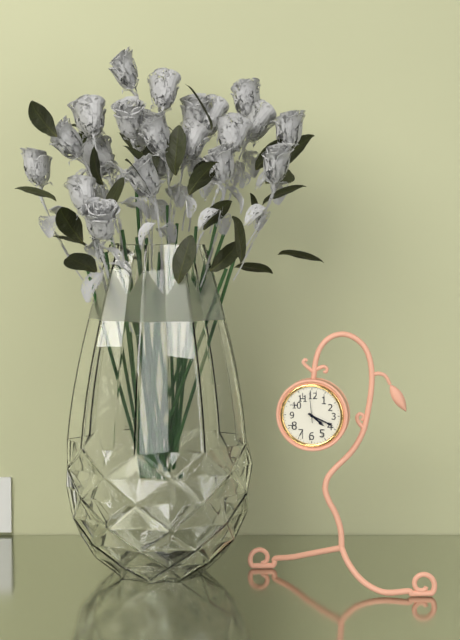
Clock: 4:19
